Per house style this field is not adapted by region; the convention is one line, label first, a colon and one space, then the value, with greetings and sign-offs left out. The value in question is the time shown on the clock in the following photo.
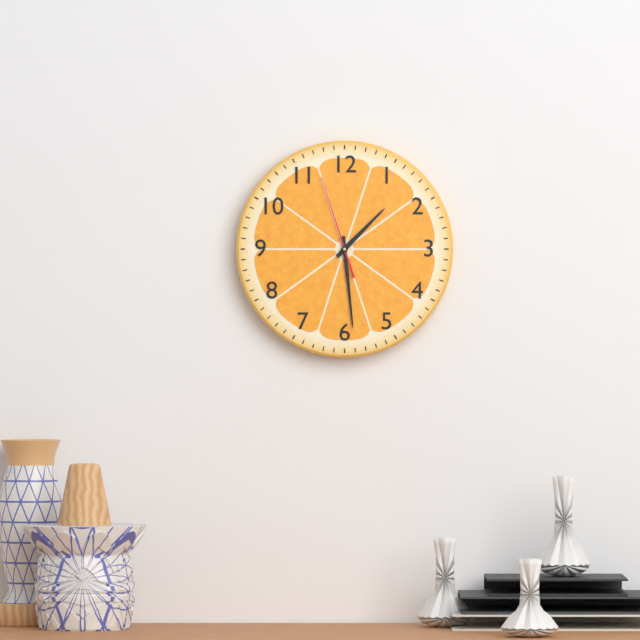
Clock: 1:29:57
